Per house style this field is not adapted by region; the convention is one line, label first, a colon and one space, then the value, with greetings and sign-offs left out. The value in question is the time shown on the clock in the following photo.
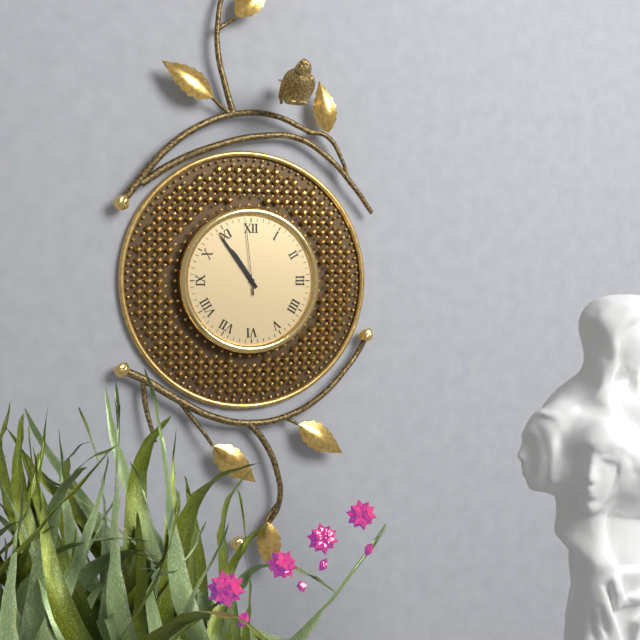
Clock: 10:54:59
